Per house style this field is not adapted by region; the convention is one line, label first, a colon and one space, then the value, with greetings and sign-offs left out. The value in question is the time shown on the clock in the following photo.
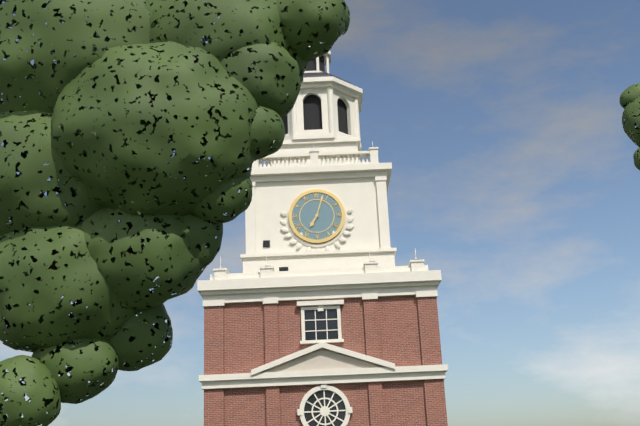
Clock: 7:03
